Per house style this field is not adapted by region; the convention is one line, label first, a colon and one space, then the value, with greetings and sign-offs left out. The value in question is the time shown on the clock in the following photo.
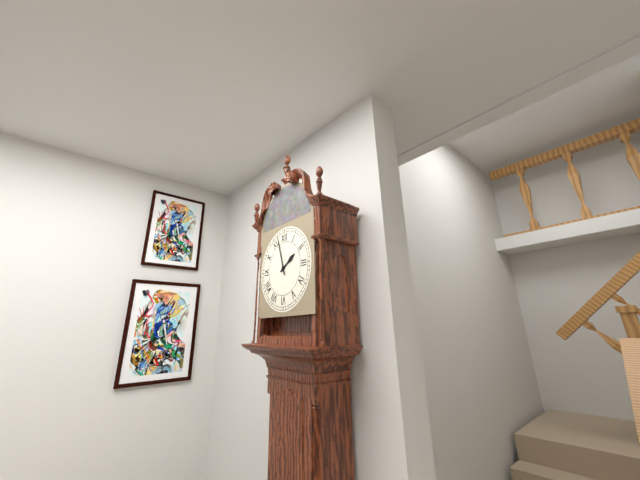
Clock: 1:57
